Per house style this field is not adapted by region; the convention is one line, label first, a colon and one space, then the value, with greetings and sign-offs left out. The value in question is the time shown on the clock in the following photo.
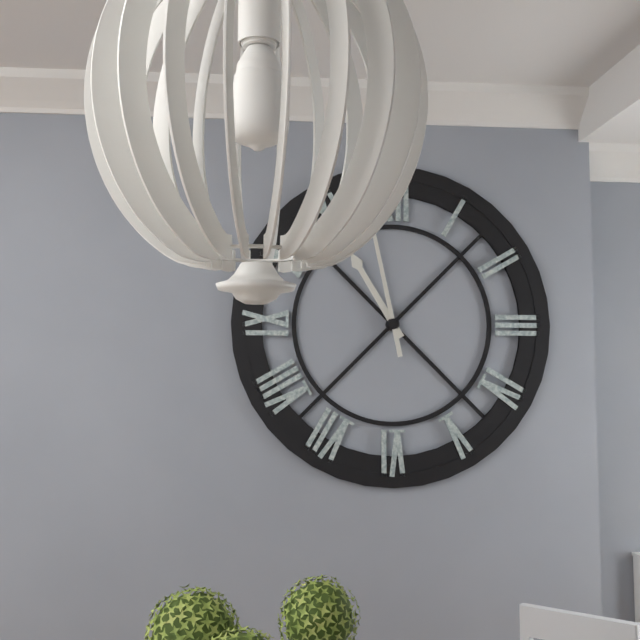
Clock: 10:58
